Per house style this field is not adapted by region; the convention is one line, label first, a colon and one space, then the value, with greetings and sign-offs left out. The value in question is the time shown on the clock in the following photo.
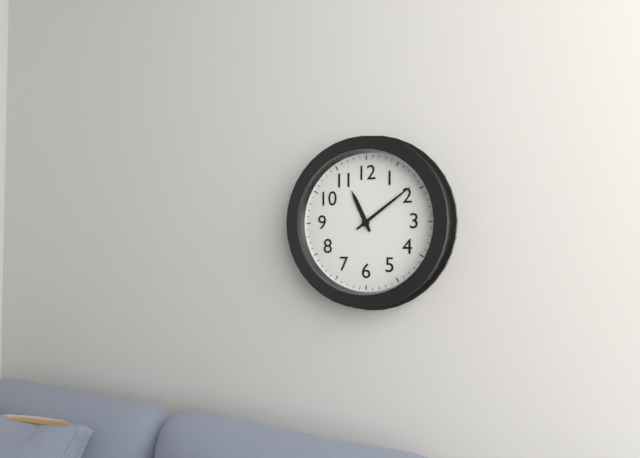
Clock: 11:09
